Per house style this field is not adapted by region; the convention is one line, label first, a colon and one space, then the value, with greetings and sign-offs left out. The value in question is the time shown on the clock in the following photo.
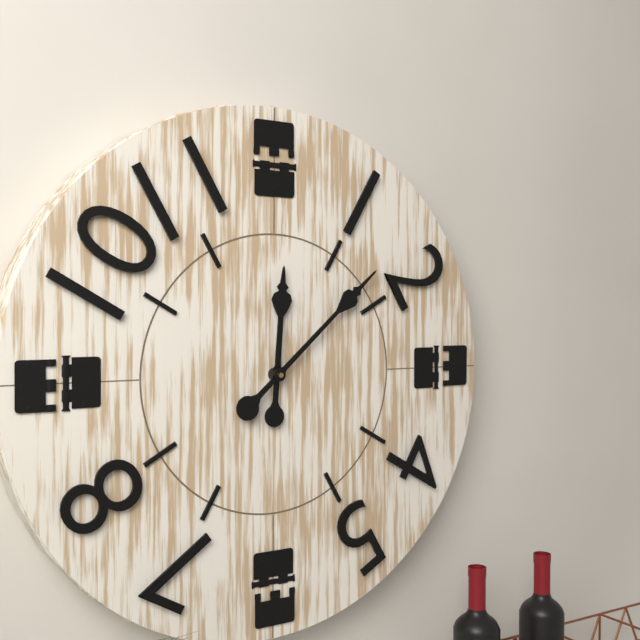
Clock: 12:08
